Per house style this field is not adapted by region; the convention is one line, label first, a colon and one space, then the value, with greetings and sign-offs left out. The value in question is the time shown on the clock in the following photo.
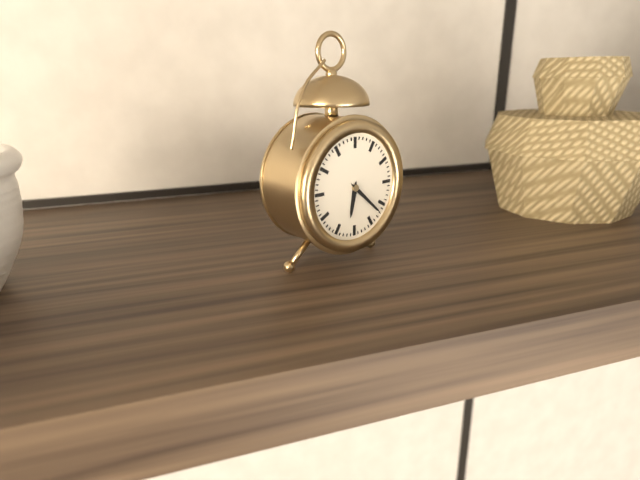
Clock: 6:22
